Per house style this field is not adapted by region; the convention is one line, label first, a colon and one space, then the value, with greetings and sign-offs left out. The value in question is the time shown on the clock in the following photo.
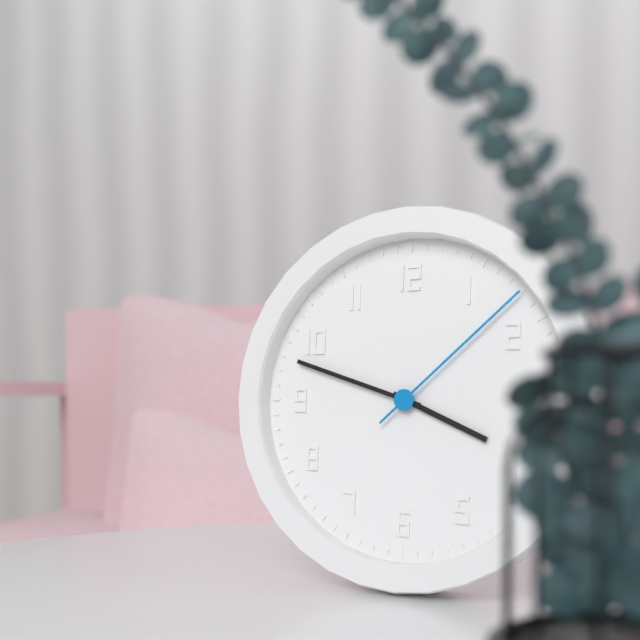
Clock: 3:48:08
